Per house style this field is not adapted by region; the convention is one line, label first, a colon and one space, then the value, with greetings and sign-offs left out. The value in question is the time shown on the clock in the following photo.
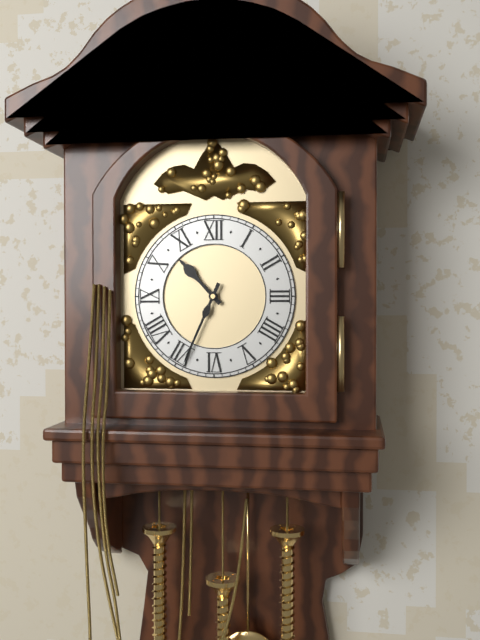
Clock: 10:34
